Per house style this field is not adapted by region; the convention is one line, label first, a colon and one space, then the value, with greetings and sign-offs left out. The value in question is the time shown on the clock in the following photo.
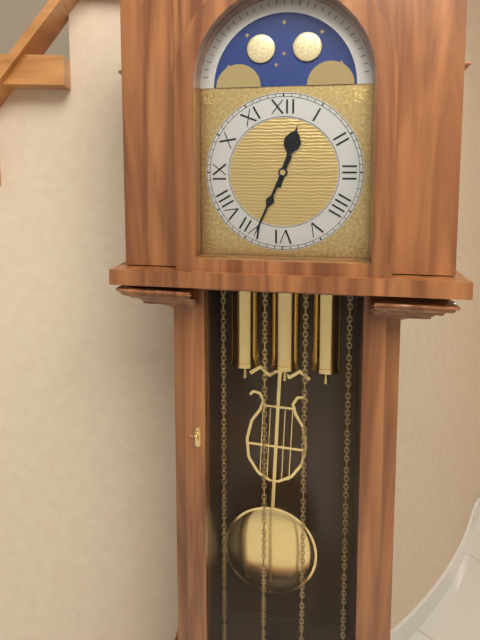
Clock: 12:34
